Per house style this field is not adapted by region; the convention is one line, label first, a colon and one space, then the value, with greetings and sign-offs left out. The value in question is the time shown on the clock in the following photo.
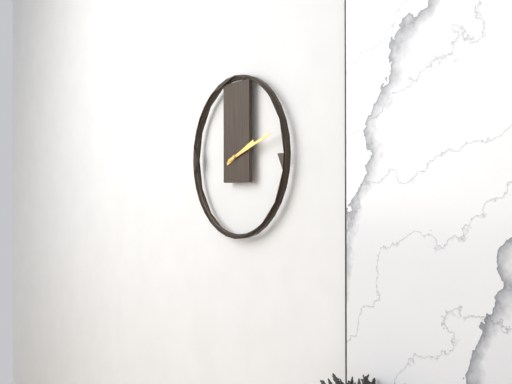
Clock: 2:12
